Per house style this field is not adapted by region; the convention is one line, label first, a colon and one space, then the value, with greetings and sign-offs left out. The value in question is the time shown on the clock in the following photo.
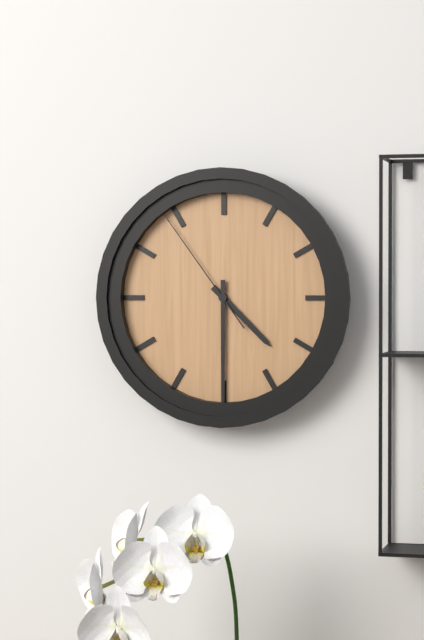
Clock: 4:30:54
